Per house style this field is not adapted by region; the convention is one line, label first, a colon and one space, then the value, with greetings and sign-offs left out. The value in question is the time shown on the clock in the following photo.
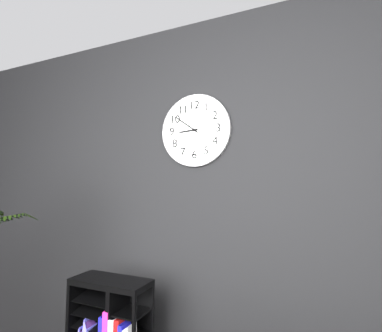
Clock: 8:51
